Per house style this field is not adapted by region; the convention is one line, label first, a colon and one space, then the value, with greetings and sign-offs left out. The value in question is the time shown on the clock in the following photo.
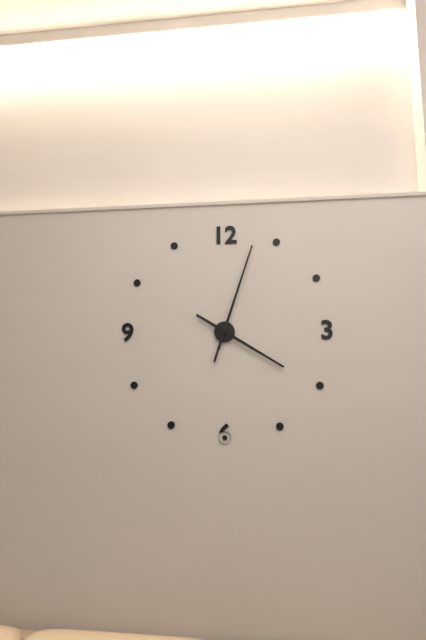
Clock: 4:03
